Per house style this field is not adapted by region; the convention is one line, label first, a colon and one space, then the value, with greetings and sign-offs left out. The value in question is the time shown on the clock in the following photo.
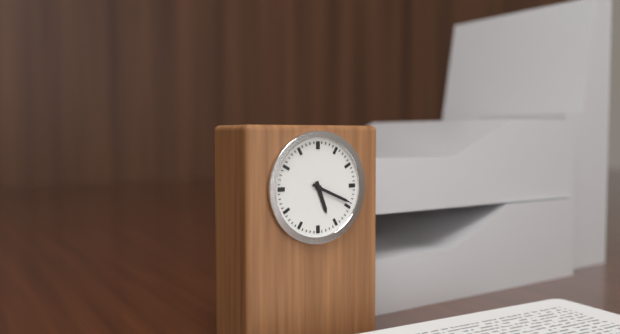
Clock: 5:19
